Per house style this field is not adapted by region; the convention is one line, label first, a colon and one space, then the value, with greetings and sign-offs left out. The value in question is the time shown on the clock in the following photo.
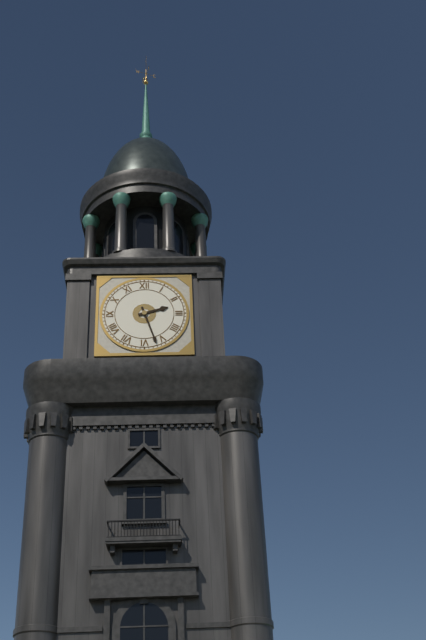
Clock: 2:27
